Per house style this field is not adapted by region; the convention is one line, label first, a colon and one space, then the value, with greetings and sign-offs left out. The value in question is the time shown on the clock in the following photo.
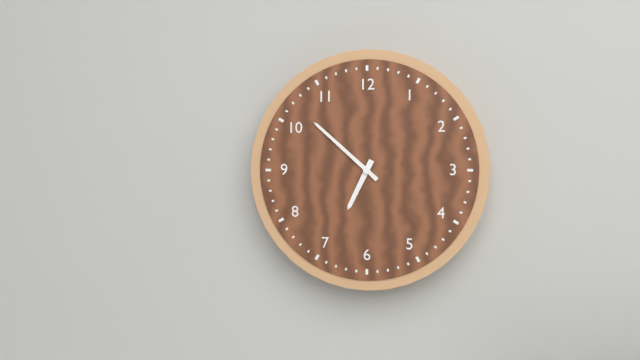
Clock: 6:52
